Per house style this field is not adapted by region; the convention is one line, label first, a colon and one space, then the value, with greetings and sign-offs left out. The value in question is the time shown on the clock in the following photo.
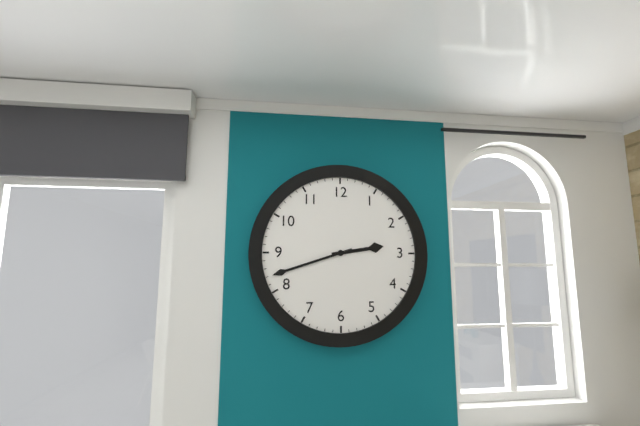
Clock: 2:42
